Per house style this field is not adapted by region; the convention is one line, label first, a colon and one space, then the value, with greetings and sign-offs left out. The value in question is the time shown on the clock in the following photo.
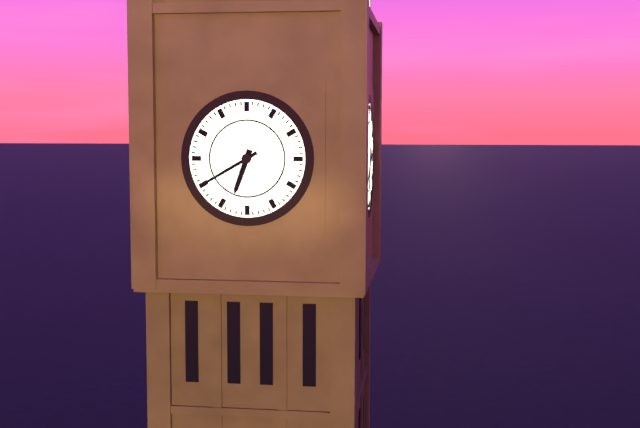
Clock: 6:40
